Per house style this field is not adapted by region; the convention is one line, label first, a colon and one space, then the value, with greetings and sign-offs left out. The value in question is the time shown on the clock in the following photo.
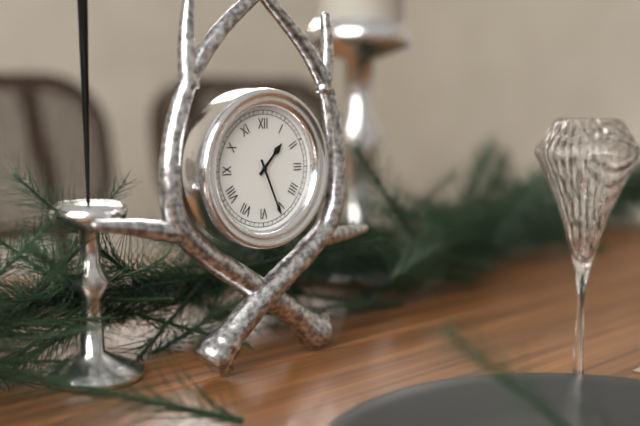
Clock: 1:26
